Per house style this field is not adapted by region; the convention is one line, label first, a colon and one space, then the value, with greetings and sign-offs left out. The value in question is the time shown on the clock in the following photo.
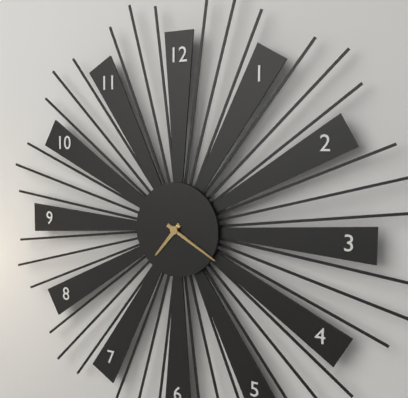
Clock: 7:20
